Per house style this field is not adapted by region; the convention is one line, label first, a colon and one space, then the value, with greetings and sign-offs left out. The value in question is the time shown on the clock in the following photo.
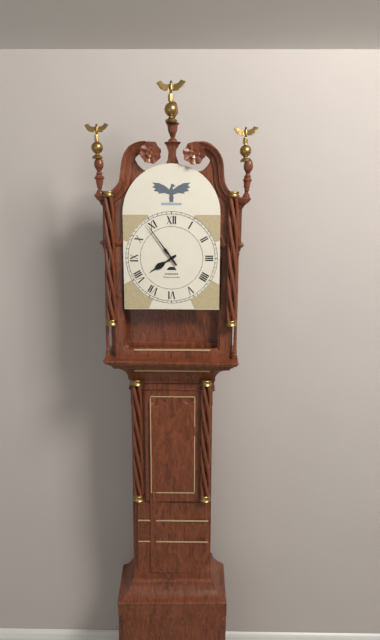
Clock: 7:54
